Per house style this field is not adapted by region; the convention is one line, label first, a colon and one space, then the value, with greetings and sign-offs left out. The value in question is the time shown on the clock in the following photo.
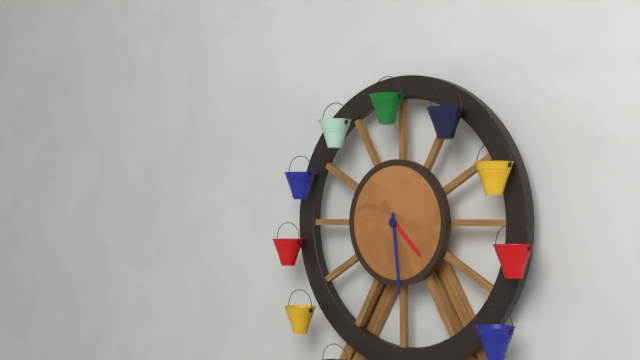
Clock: 4:29
